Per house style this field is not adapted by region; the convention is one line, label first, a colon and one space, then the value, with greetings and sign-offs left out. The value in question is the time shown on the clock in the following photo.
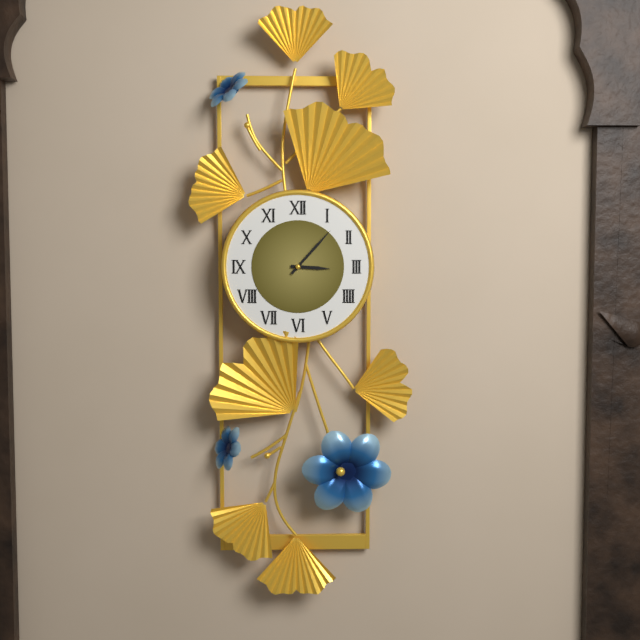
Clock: 3:07
